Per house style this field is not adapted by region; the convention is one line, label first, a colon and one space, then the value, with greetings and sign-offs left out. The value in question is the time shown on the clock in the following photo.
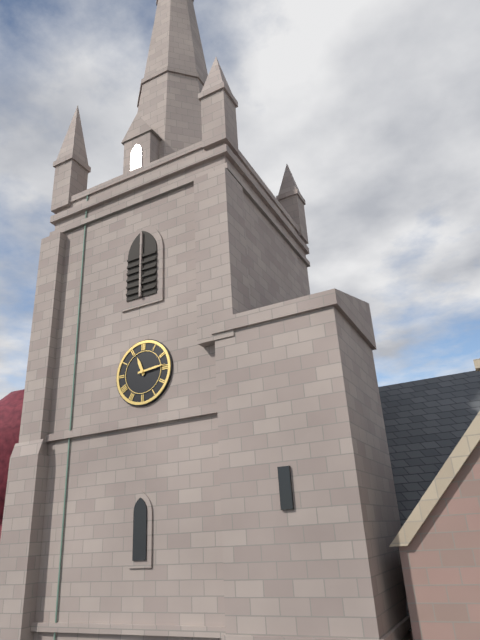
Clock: 11:14
